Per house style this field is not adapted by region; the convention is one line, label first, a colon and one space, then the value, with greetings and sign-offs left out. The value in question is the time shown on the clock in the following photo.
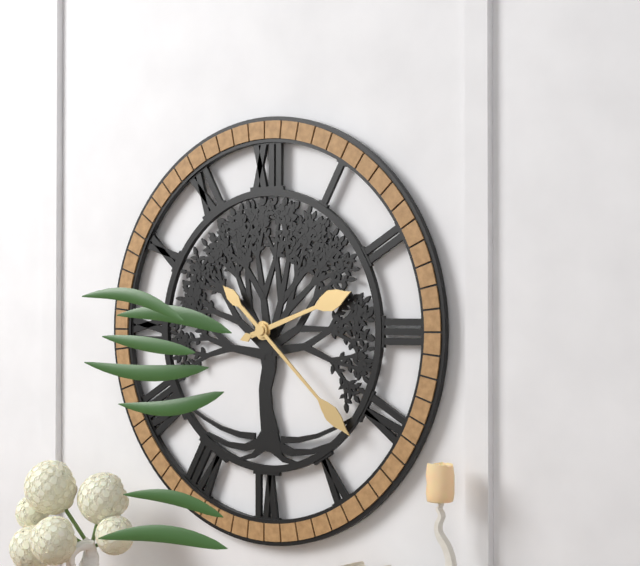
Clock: 2:22
